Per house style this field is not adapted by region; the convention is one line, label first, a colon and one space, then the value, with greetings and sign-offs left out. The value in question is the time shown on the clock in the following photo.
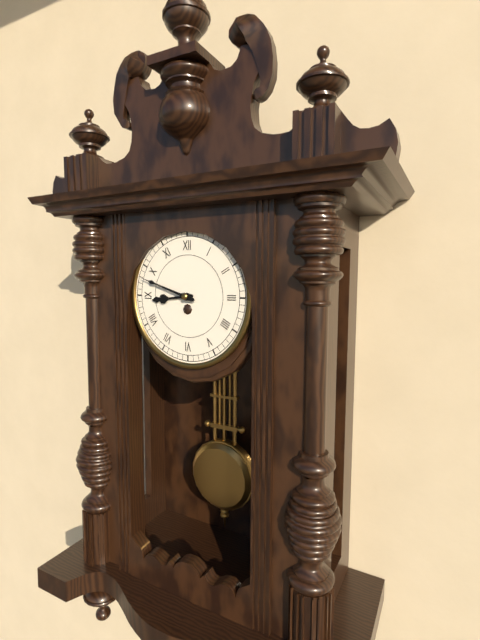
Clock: 8:48
